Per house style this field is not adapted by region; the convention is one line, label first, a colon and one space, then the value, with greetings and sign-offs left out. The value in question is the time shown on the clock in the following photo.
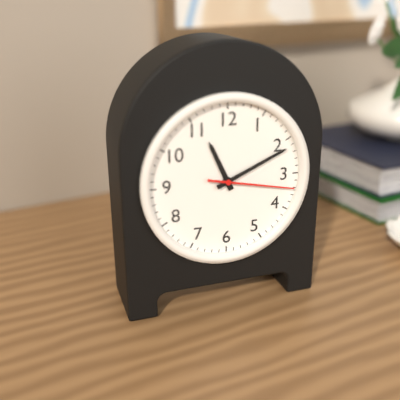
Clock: 11:11:17
